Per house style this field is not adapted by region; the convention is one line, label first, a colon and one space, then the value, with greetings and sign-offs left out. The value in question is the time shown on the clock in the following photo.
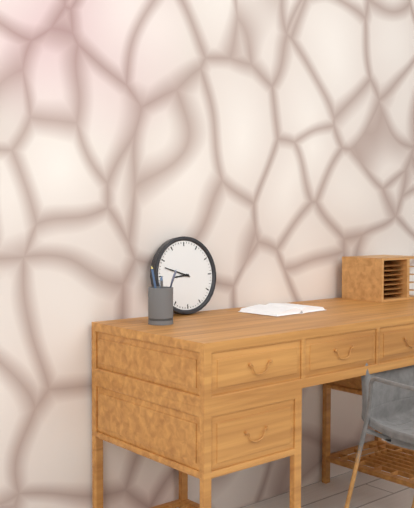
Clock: 8:48
